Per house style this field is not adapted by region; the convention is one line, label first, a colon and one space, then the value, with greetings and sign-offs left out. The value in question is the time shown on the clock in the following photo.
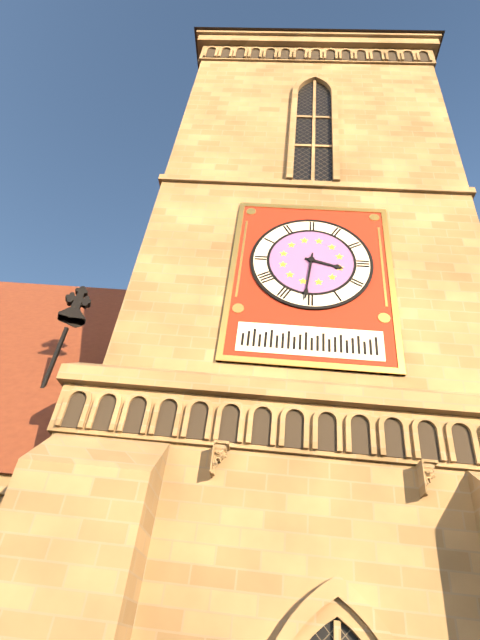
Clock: 3:31
